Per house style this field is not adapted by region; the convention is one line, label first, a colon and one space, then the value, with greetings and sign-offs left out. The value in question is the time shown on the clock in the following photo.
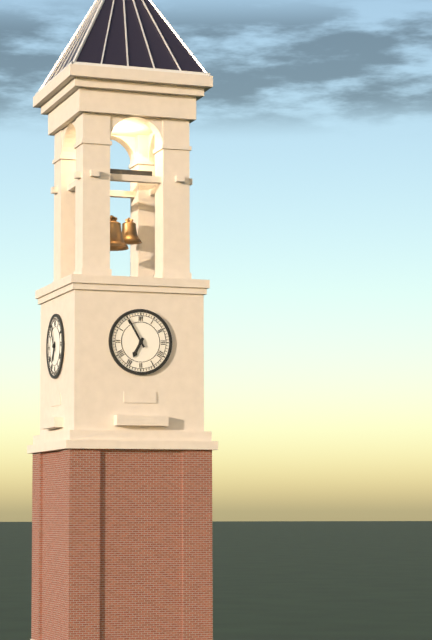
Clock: 6:55
